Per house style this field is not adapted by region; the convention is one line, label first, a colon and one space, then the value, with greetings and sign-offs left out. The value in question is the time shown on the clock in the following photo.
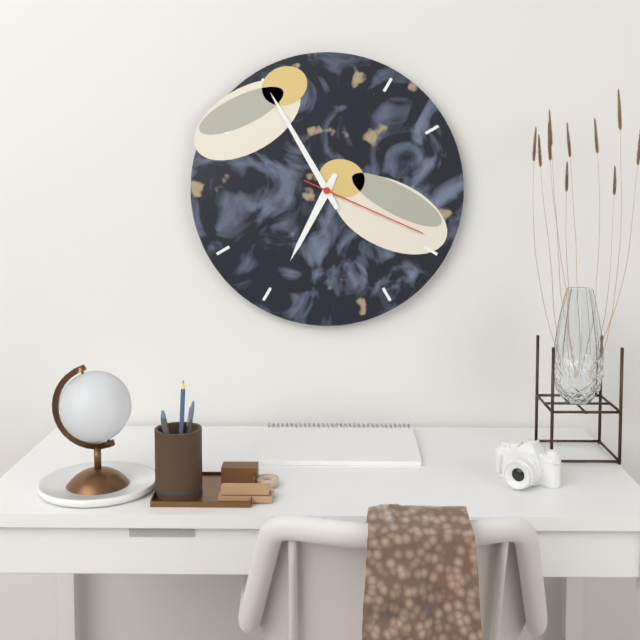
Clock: 6:55:19
